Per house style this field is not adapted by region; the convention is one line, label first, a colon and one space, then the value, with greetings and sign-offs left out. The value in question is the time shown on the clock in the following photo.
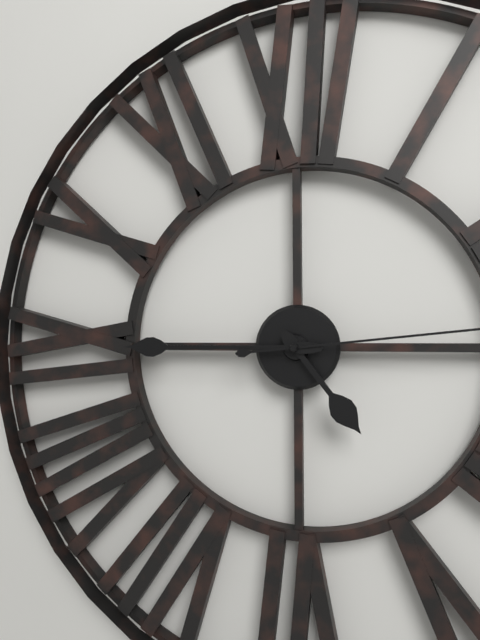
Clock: 4:45
